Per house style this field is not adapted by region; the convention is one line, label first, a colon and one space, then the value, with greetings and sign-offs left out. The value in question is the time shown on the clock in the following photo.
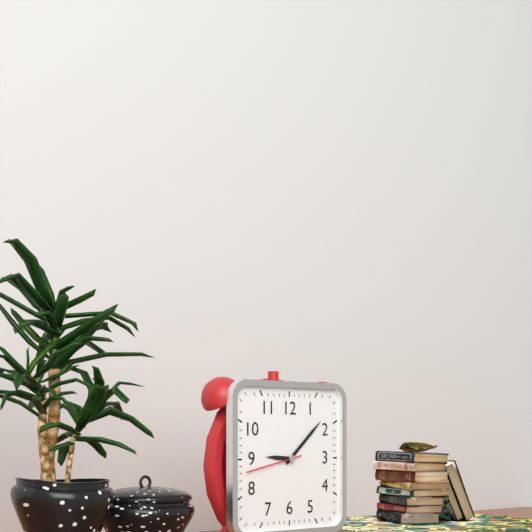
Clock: 9:08:43
